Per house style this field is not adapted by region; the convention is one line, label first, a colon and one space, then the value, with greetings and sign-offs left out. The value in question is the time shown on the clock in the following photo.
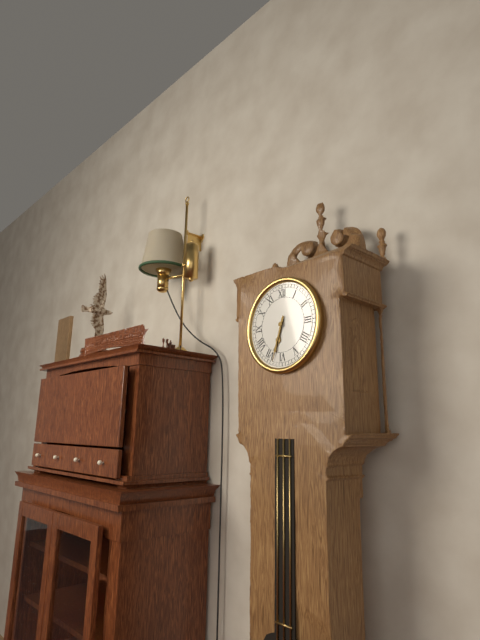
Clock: 6:33
